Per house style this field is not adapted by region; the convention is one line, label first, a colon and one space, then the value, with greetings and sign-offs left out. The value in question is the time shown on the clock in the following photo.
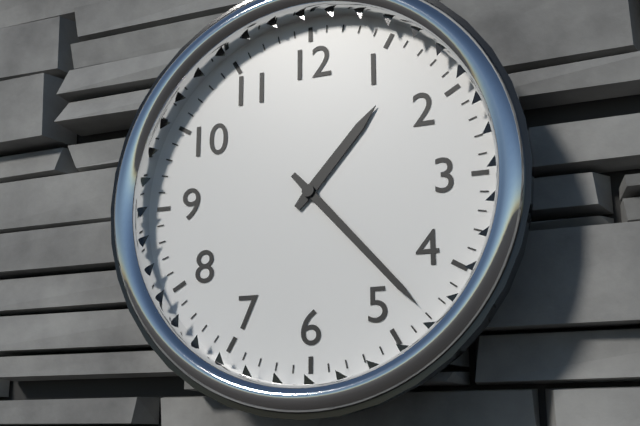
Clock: 1:23
